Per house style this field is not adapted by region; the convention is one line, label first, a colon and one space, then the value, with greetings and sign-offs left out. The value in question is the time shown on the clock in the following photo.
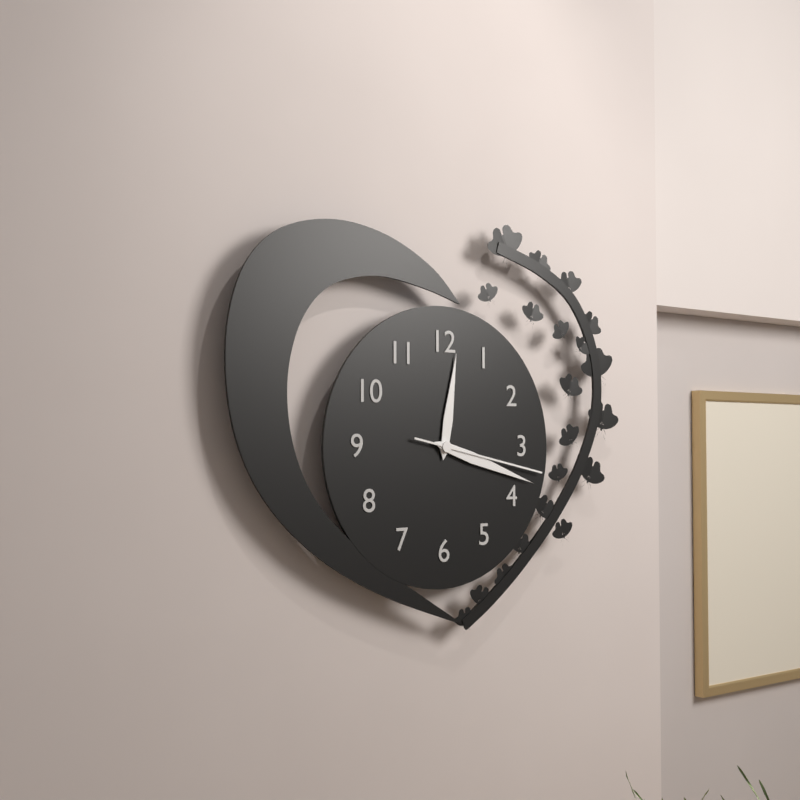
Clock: 12:18:17
